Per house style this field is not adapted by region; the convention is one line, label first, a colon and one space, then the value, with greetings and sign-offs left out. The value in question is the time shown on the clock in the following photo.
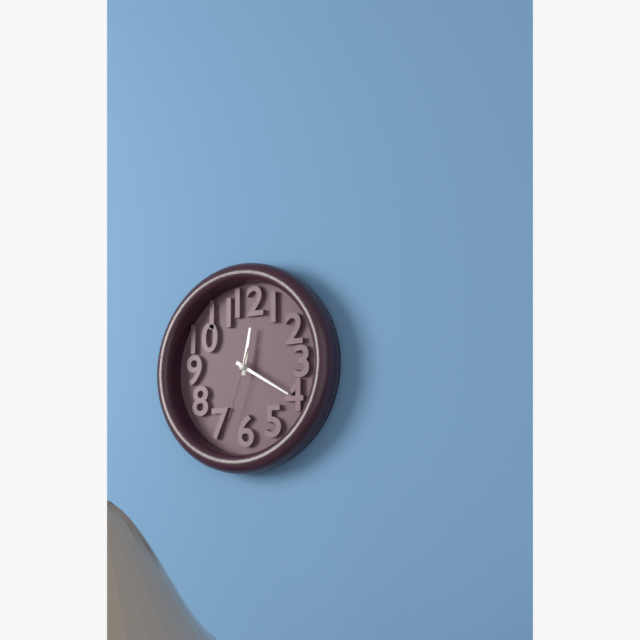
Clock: 12:20:33
